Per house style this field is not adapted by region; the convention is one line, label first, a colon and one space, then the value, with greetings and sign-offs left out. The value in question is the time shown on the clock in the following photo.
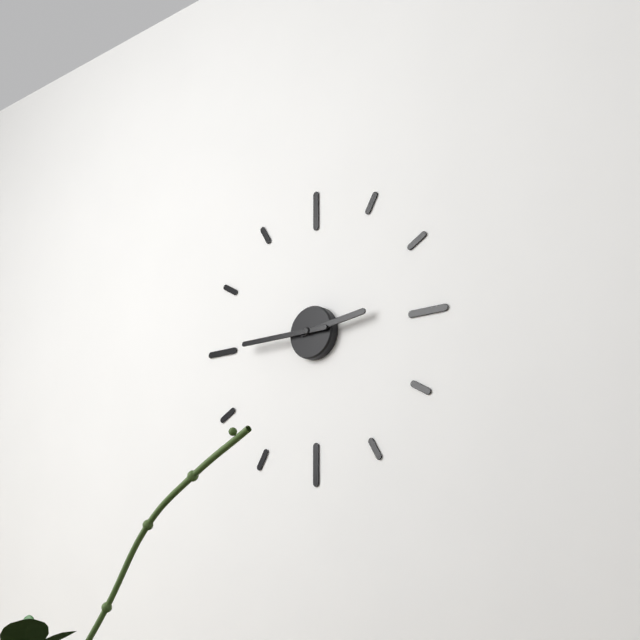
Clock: 2:45
